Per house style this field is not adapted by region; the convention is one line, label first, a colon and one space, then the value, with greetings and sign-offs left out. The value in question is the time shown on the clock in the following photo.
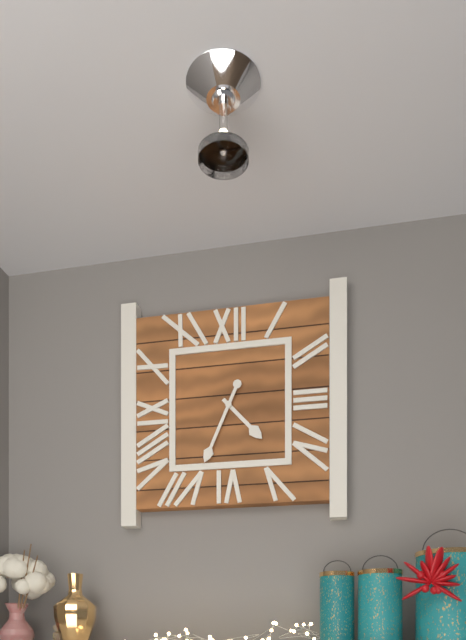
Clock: 4:34
